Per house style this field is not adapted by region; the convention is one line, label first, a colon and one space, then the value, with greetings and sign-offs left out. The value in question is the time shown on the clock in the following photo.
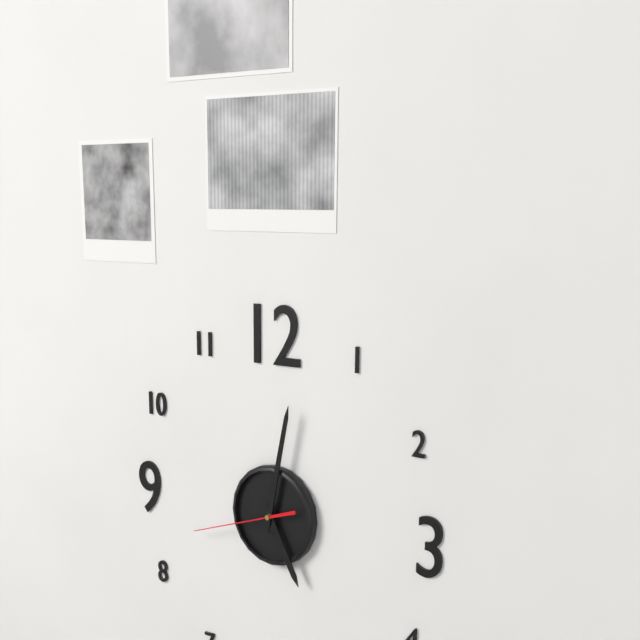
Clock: 5:02:42
